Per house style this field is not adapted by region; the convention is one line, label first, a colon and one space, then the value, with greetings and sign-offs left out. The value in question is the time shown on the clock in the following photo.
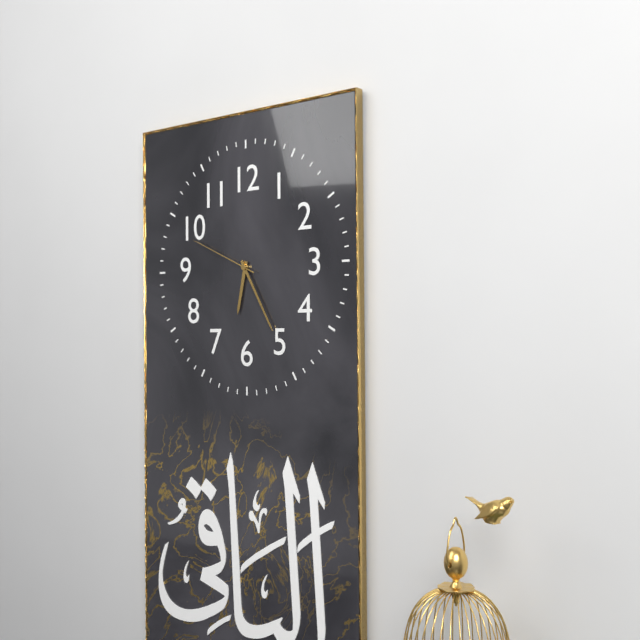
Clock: 6:25:49
